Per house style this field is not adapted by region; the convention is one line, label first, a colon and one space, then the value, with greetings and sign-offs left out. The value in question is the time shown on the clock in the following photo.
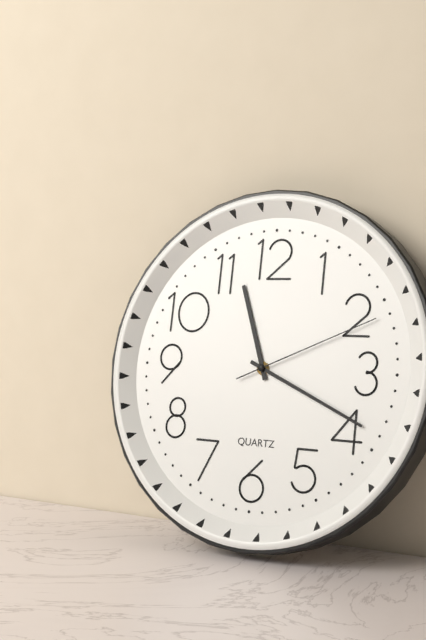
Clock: 11:19:11
